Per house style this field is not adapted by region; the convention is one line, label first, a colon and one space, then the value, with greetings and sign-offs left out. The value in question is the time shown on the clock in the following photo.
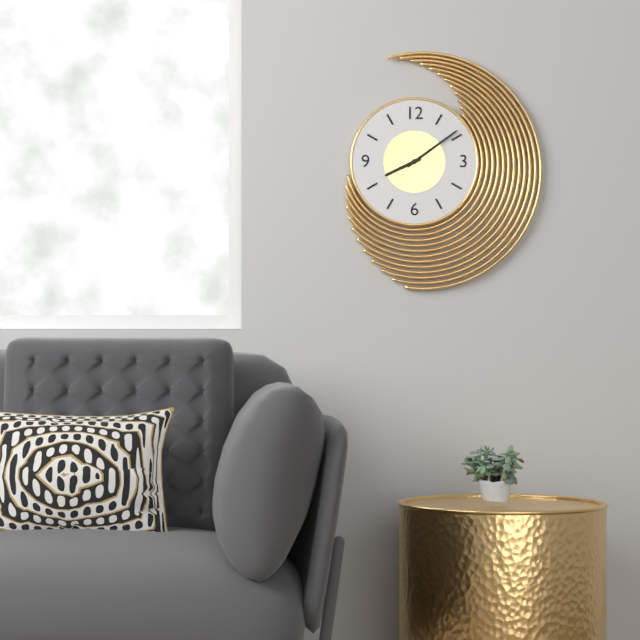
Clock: 8:09
